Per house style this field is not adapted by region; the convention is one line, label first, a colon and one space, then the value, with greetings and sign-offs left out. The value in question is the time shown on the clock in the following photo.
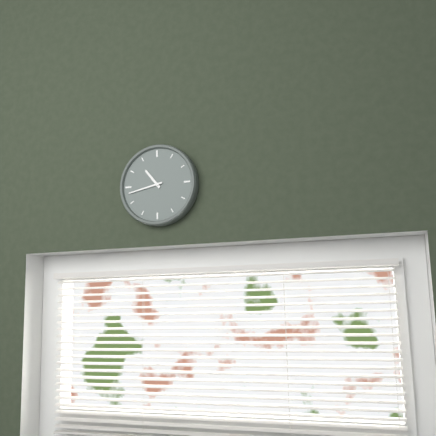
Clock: 10:43
